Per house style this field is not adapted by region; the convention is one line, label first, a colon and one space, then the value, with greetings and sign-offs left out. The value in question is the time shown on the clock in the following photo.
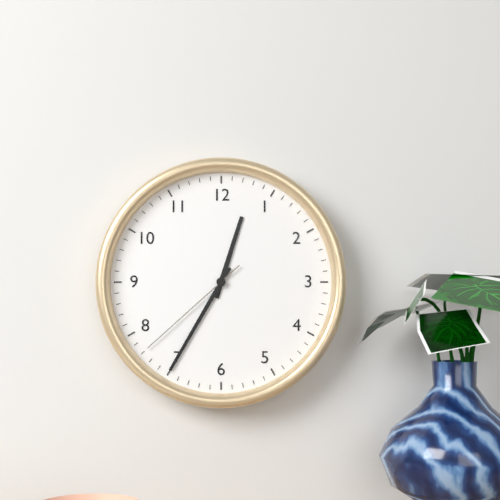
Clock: 12:35:38
